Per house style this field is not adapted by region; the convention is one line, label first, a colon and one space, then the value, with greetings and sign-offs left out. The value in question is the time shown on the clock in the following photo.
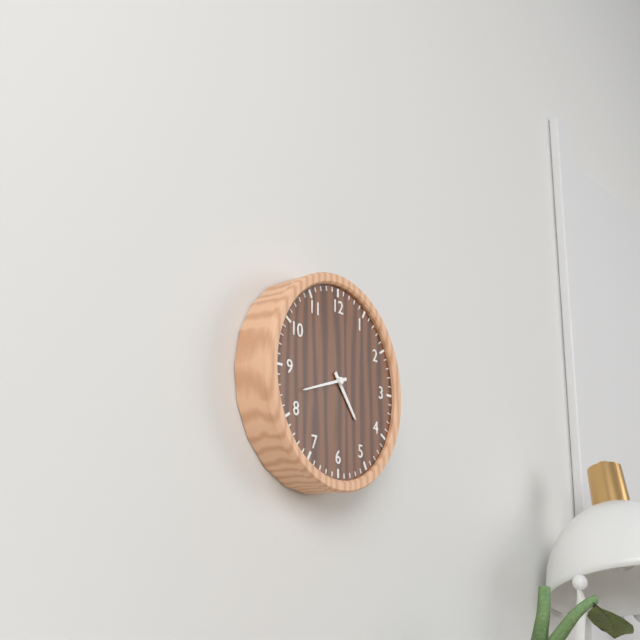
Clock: 4:42
